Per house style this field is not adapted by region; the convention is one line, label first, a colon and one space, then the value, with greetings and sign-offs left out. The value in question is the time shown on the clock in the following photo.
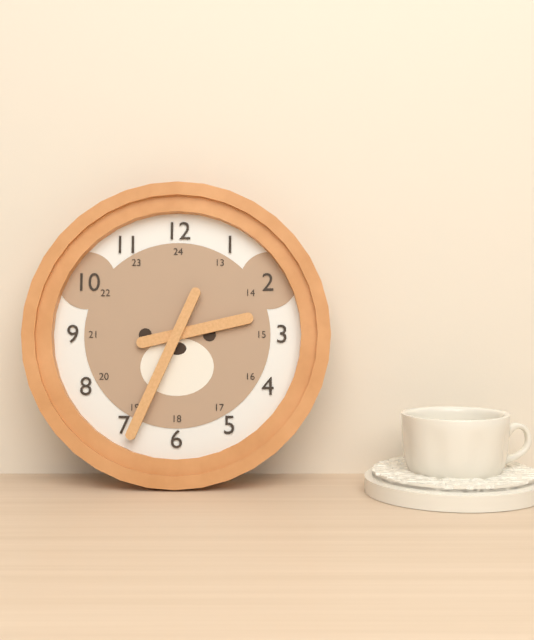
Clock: 2:34
